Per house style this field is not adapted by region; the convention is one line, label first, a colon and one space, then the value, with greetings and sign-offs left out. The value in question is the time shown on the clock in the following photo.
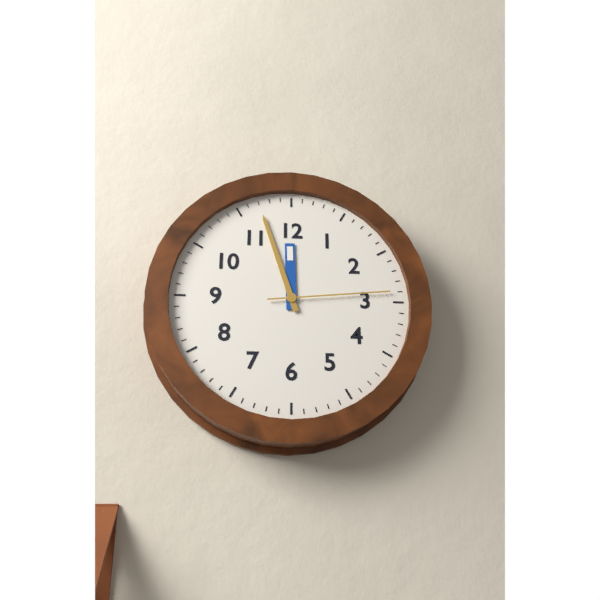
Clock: 11:57:14
